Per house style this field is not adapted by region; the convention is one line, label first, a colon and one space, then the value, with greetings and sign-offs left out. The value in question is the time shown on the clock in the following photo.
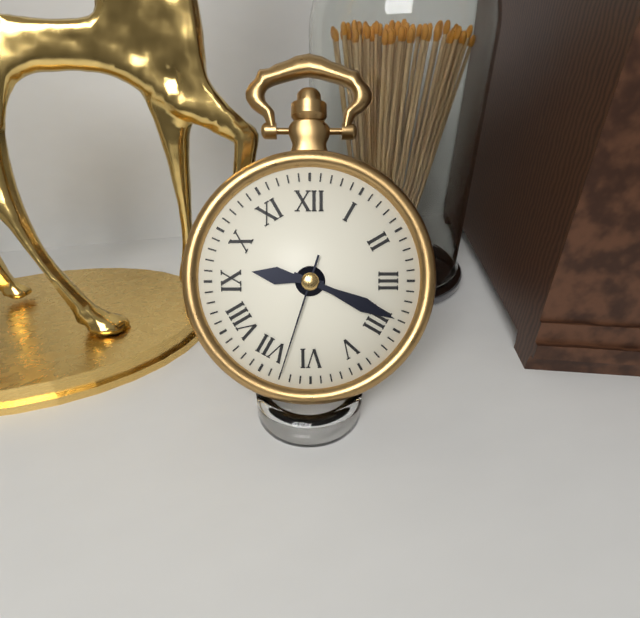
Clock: 9:19:33
